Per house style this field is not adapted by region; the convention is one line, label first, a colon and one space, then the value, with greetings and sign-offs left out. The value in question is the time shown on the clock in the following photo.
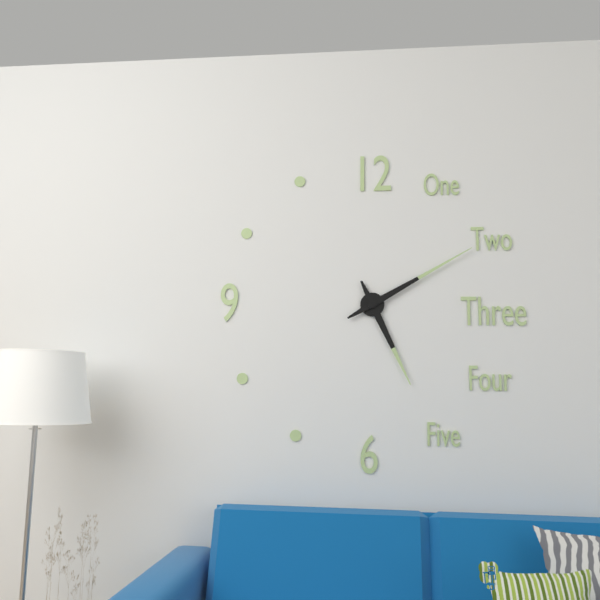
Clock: 5:10
